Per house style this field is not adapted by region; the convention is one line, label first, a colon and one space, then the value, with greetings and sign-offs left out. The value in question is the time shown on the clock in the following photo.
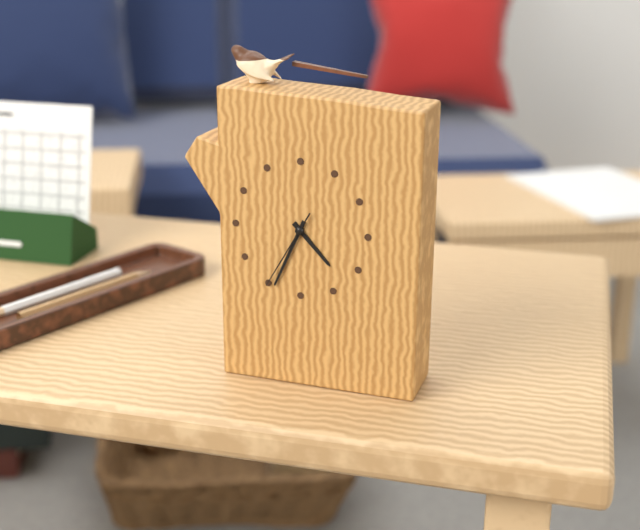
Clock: 4:34:35
